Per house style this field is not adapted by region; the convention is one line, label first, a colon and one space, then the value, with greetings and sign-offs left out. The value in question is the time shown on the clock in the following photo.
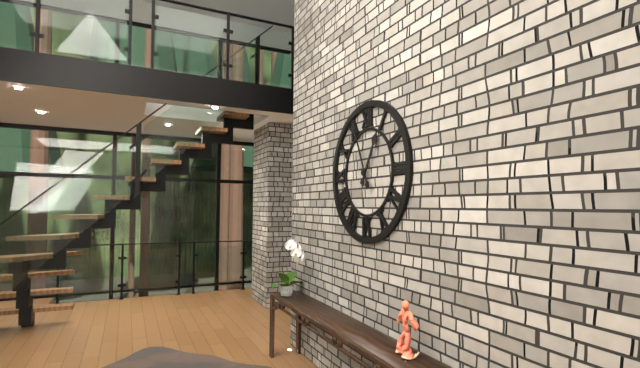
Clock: 12:56
